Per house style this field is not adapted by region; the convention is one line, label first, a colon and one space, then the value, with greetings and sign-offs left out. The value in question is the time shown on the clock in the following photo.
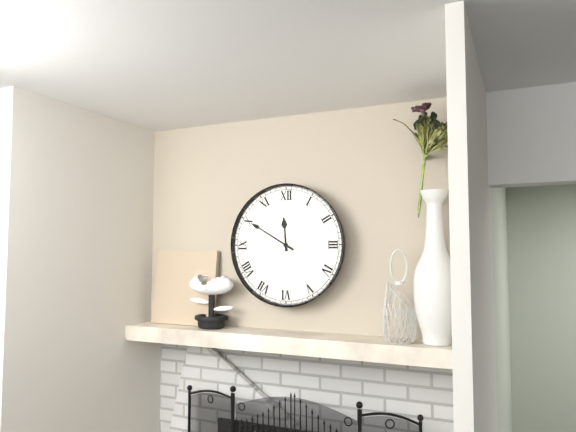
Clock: 11:50
